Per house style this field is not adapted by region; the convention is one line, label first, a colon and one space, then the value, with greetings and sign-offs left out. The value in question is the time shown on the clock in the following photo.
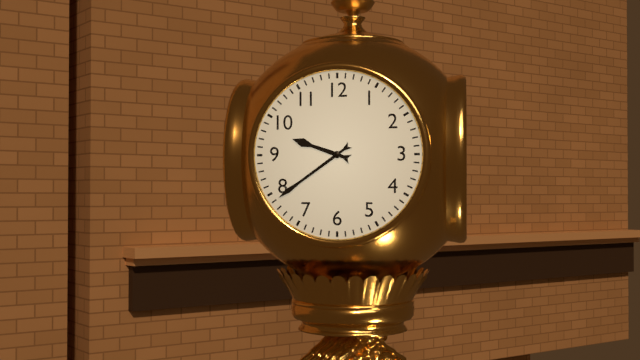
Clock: 9:39
